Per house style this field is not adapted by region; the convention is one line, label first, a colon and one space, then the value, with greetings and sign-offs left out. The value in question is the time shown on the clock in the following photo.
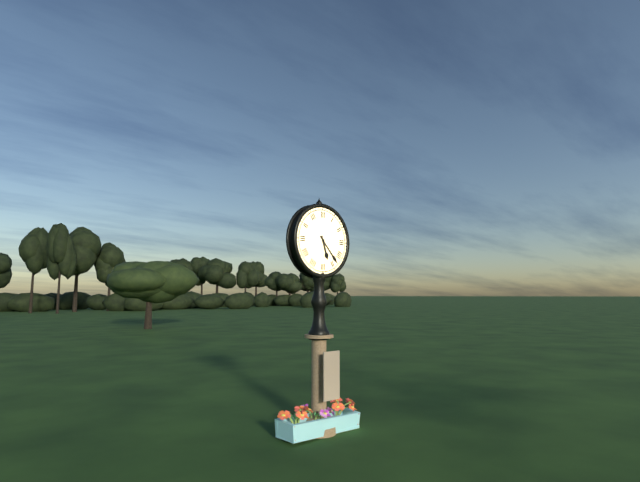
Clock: 5:23
